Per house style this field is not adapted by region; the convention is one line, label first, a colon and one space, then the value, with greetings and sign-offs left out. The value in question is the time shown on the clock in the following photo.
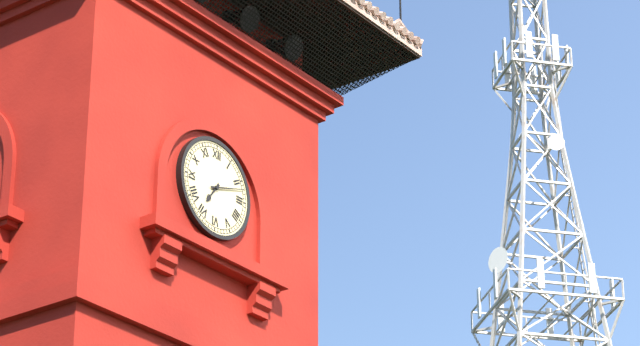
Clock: 7:12
